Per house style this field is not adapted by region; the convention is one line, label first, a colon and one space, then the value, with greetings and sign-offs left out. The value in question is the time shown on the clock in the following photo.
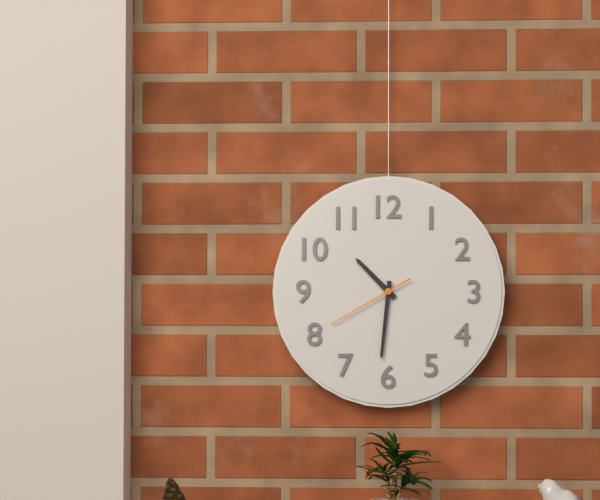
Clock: 10:31:40
